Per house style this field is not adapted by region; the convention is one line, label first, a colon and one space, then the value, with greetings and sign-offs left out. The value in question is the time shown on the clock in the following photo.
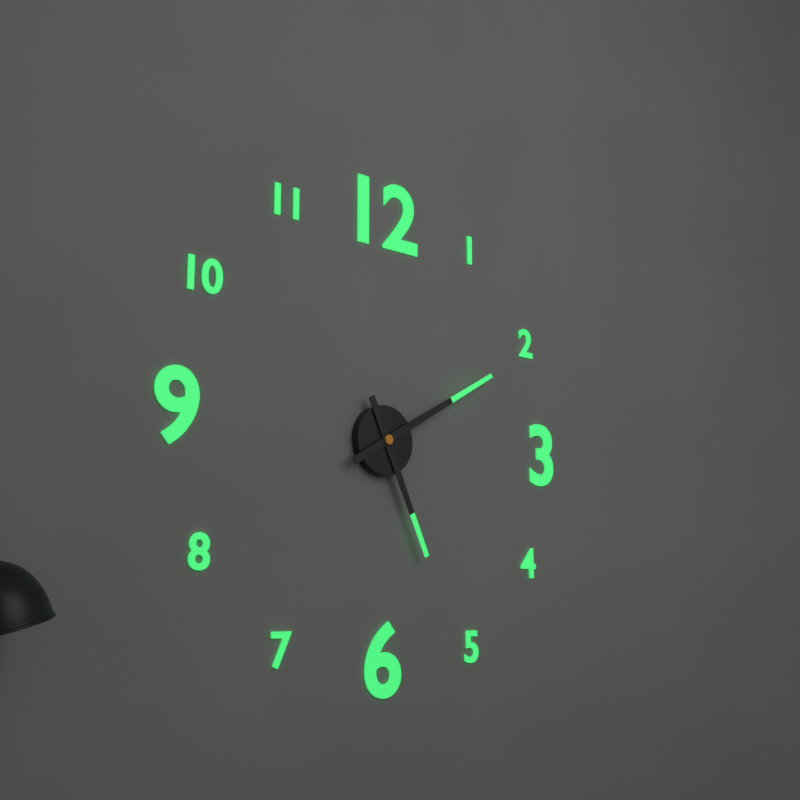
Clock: 5:10
